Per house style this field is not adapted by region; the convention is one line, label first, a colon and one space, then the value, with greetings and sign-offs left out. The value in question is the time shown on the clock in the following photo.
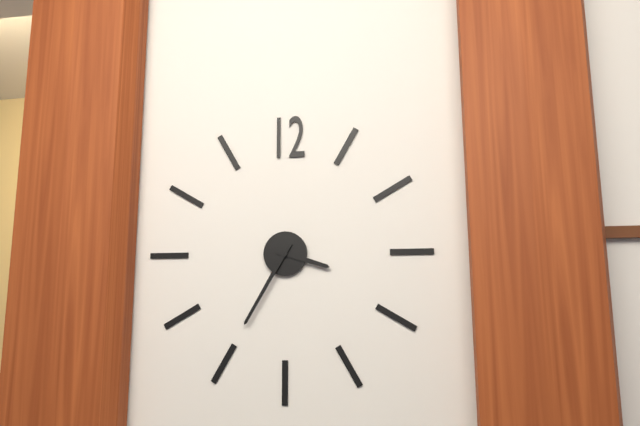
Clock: 3:35
